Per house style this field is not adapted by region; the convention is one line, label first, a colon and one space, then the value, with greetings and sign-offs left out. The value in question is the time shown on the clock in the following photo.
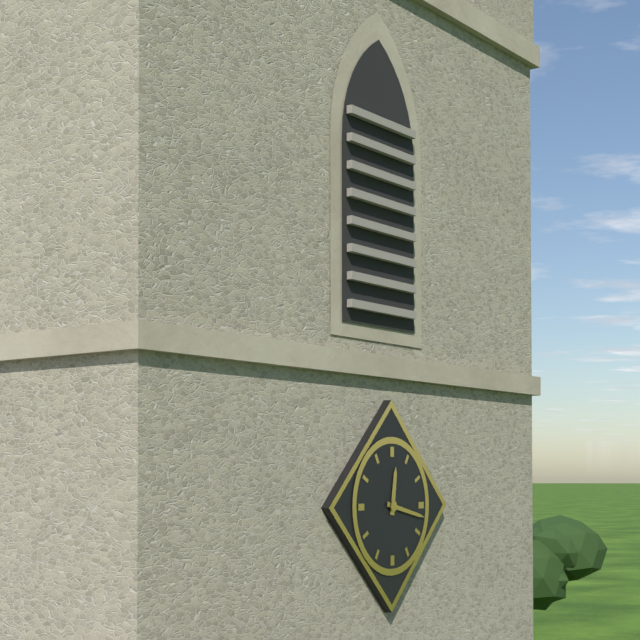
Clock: 12:17
